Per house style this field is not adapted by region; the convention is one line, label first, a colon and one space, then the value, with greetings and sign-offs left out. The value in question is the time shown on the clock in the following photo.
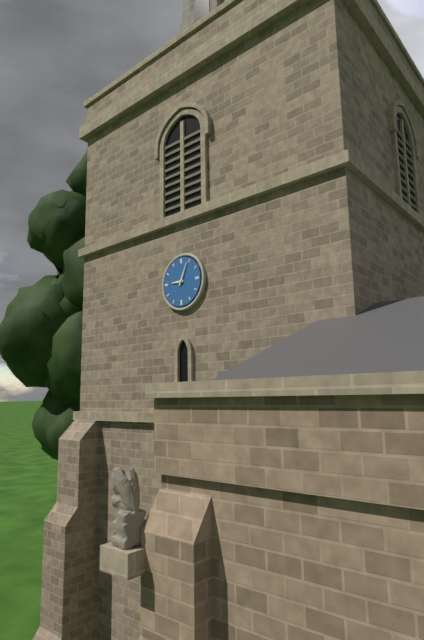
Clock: 9:04
